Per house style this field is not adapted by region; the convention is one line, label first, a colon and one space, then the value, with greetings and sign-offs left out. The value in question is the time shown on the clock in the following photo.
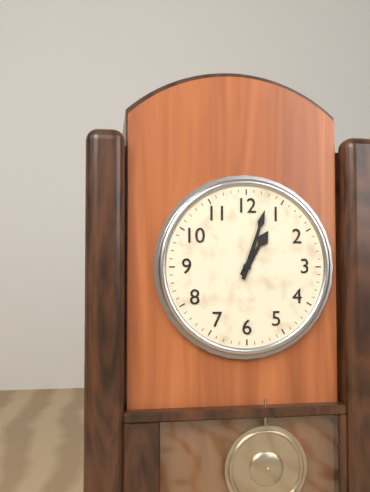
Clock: 1:03
